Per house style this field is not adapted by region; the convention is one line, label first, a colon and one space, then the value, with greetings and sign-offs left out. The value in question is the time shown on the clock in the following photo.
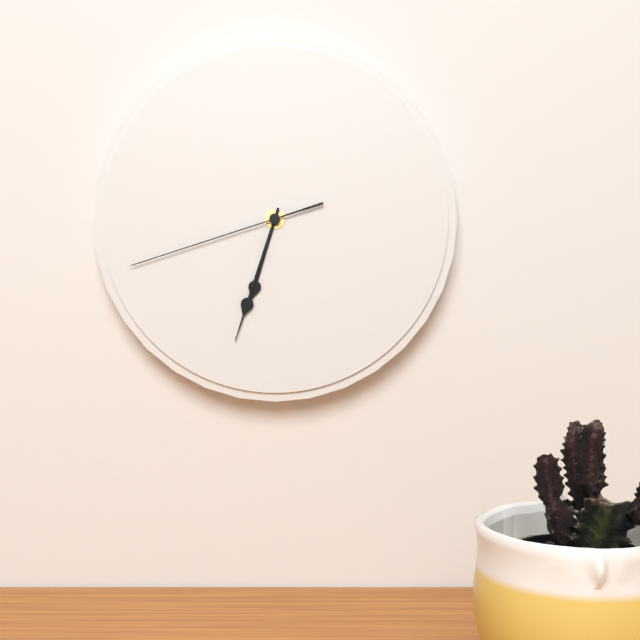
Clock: 6:33:42
